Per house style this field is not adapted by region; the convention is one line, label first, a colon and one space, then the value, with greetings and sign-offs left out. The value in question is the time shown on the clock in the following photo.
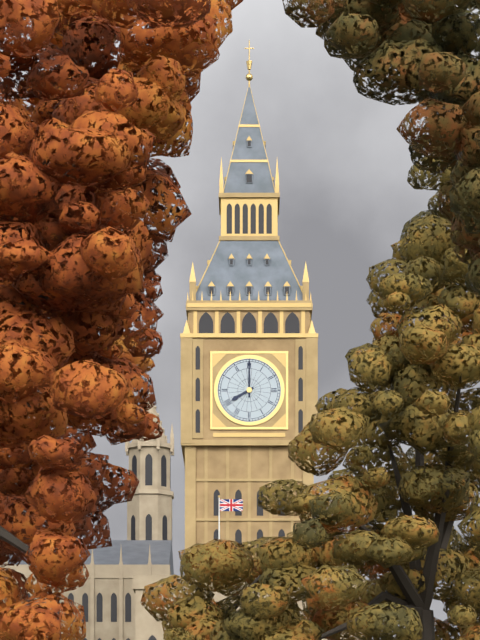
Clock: 8:00
